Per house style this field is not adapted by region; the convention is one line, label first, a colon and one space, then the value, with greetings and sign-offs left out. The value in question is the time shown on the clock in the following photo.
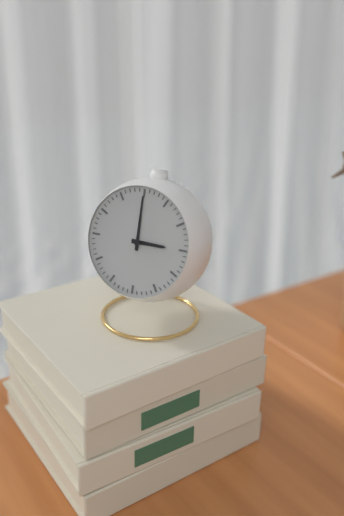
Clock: 3:00
